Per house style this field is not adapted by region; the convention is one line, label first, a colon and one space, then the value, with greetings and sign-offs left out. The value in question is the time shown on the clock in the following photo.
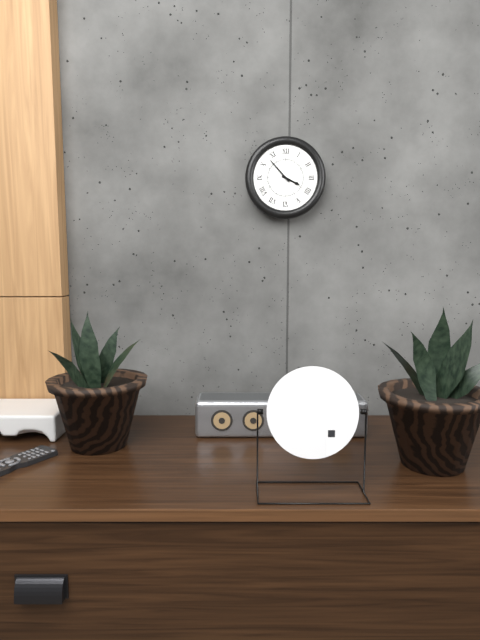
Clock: 3:53
